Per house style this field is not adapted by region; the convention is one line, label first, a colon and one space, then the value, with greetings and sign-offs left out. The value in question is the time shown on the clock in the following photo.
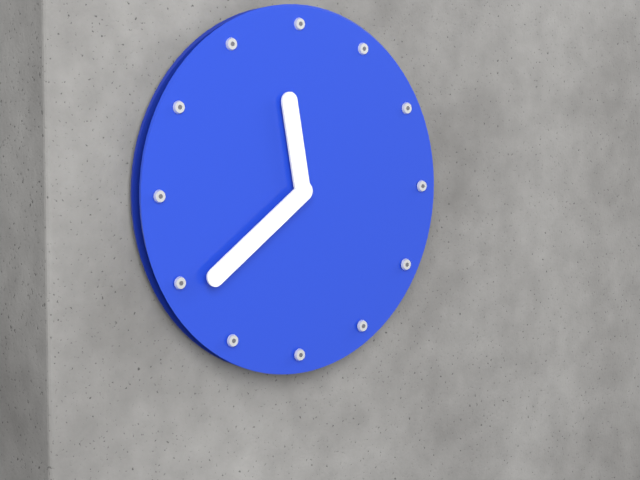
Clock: 11:39
